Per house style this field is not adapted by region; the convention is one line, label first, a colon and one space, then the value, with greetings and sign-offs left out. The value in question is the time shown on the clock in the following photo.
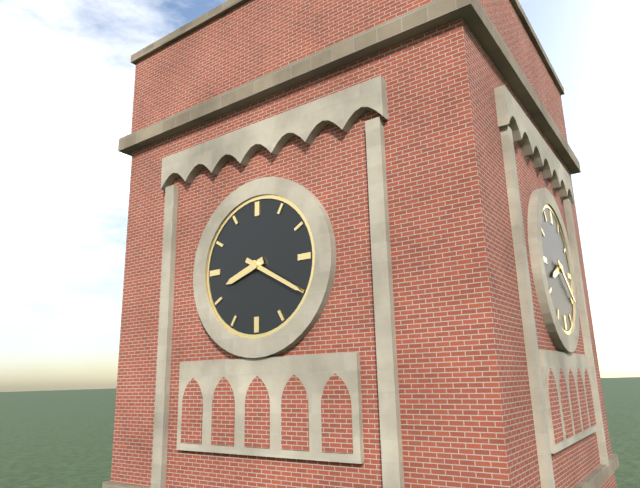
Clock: 8:20
